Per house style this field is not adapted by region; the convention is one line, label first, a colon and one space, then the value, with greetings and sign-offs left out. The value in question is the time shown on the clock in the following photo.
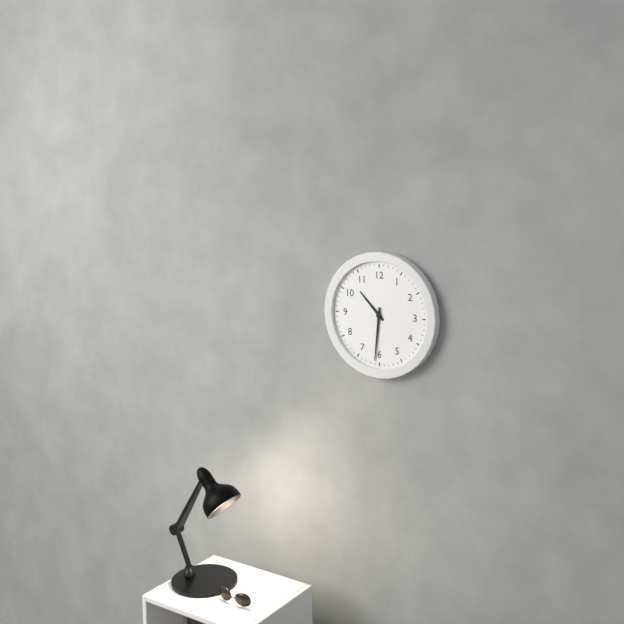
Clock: 10:31
